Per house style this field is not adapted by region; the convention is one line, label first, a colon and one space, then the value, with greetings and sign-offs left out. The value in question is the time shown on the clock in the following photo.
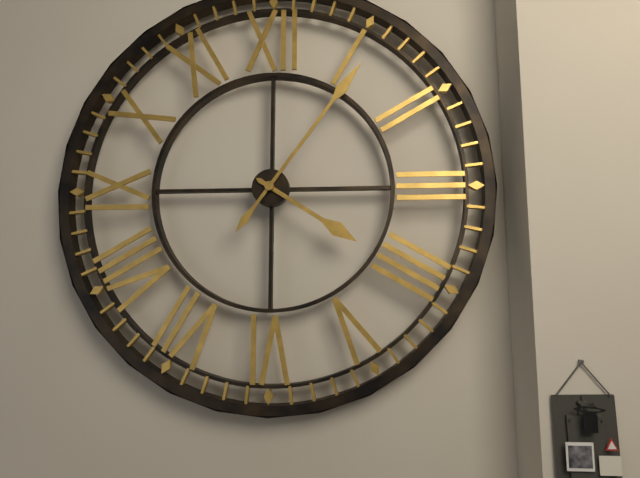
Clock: 4:06
